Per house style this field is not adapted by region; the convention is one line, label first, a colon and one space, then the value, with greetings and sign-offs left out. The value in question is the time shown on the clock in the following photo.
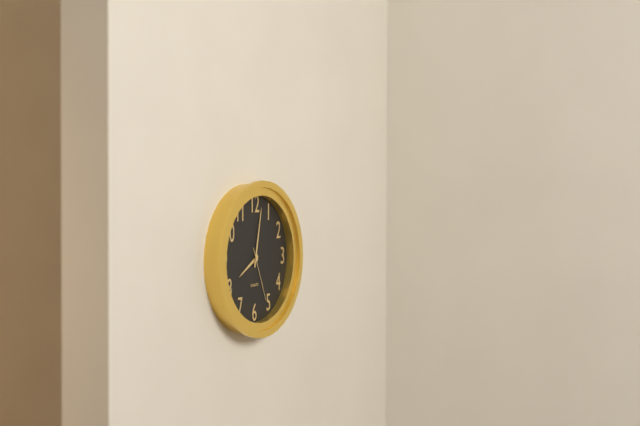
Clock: 8:02:26
